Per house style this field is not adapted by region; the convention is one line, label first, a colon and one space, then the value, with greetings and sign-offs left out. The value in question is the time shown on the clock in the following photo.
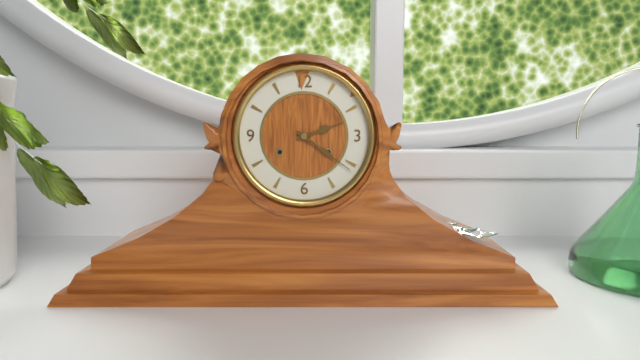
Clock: 2:21
